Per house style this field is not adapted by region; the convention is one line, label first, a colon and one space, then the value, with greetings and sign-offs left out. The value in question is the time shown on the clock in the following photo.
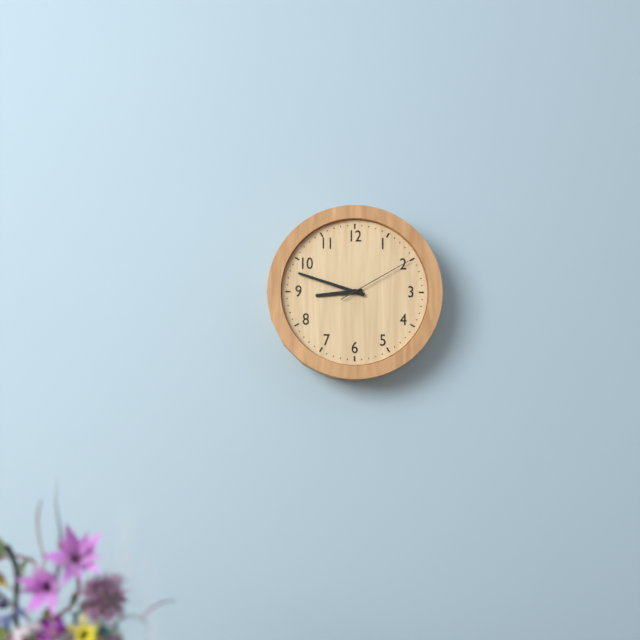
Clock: 8:48:10
